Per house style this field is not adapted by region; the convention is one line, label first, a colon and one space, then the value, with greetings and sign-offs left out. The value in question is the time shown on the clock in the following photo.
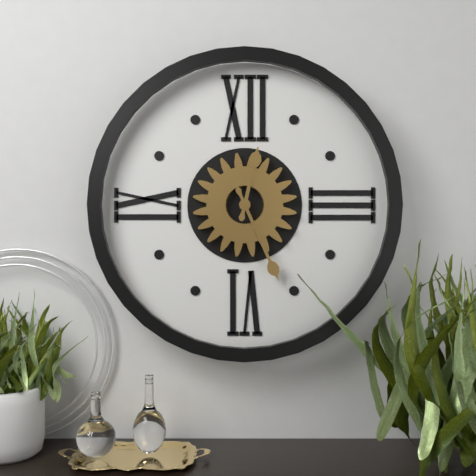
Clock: 12:26
